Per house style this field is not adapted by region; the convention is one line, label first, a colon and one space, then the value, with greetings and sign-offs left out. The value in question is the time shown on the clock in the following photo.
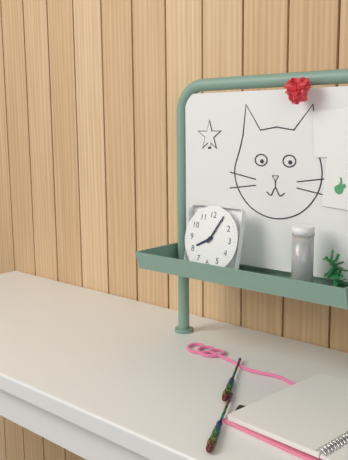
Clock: 8:05
